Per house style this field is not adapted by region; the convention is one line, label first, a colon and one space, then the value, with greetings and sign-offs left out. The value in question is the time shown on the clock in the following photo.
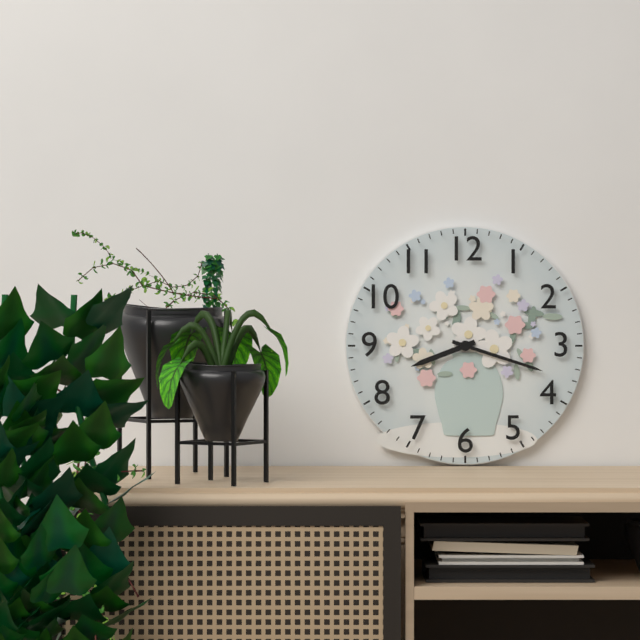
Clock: 8:18
